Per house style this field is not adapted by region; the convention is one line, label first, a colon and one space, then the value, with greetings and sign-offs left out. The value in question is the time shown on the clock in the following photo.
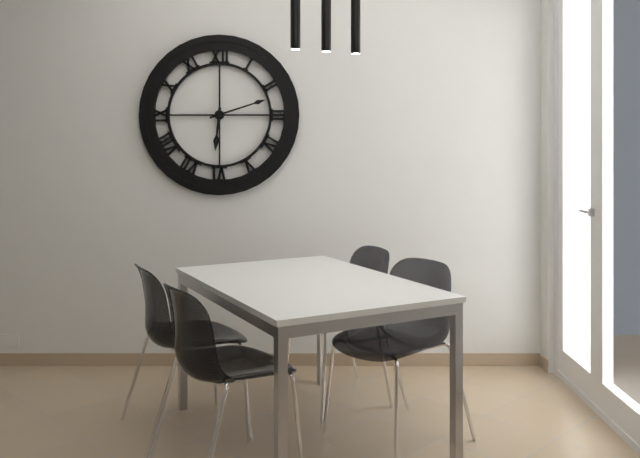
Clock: 6:12
